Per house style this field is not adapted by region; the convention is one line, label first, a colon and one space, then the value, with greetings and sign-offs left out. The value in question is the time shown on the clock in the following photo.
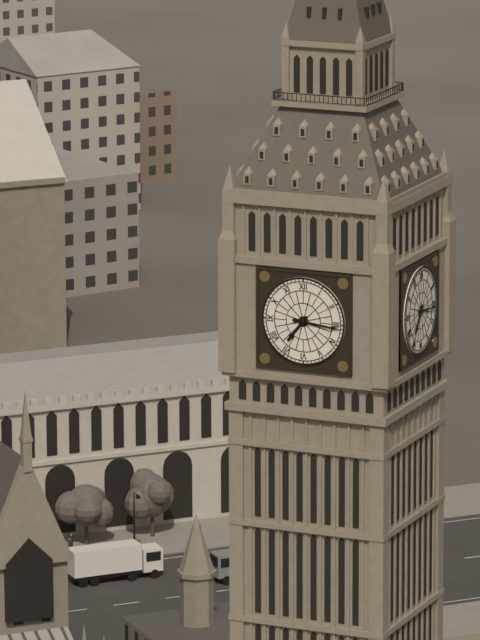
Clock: 7:16
